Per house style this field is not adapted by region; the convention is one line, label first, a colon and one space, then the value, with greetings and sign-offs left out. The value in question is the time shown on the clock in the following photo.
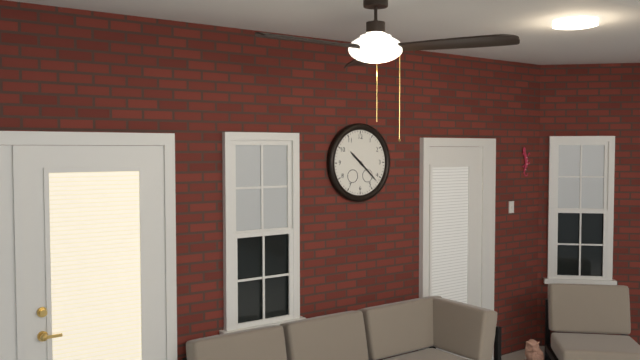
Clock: 10:22
